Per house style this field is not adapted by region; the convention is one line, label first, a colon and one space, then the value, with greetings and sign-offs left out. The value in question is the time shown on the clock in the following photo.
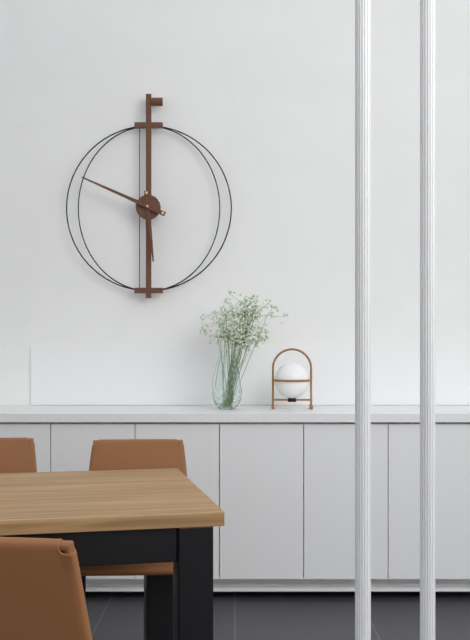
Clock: 5:49
